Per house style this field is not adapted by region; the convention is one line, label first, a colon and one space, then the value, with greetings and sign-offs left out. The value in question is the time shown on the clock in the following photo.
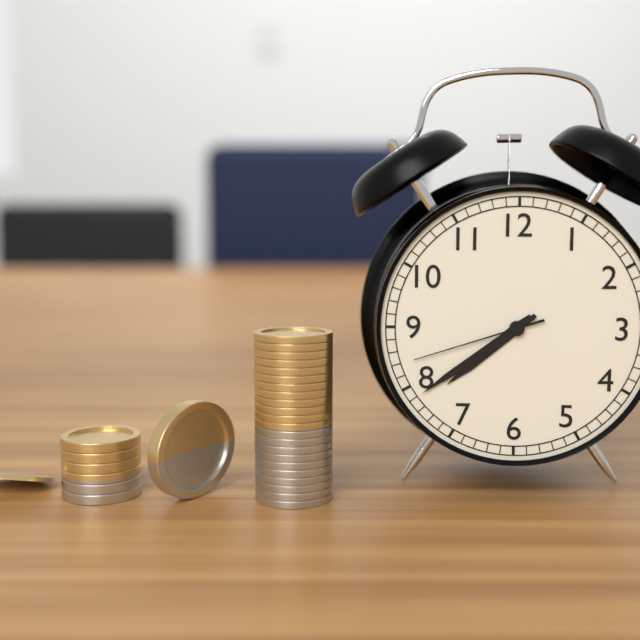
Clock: 7:39:42
